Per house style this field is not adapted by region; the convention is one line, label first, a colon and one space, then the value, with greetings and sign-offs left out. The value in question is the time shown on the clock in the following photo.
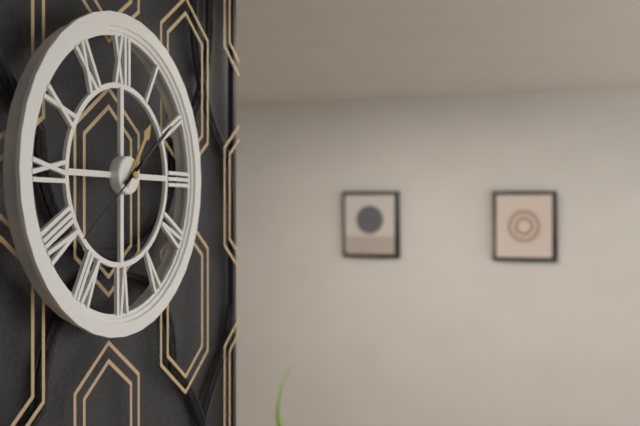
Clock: 1:09:39
